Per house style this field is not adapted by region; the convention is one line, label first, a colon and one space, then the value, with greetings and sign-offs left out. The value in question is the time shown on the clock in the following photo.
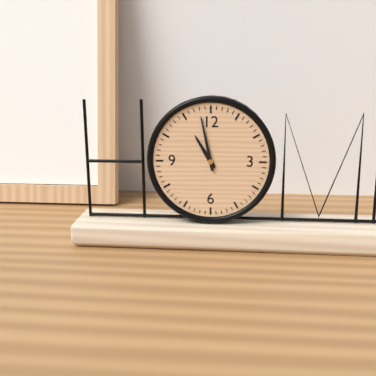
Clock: 10:58
